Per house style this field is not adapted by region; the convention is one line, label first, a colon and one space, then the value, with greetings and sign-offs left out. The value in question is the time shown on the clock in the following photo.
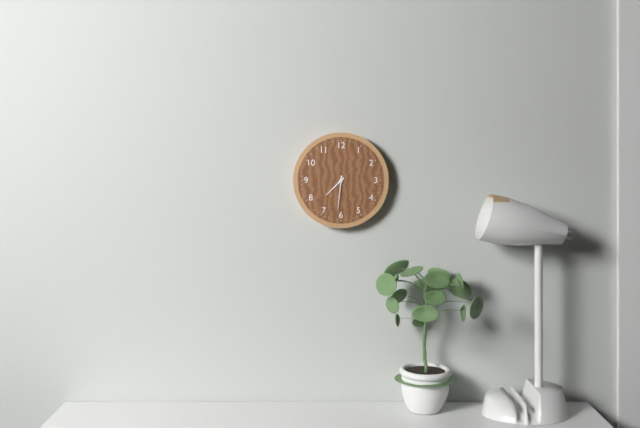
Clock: 7:31
